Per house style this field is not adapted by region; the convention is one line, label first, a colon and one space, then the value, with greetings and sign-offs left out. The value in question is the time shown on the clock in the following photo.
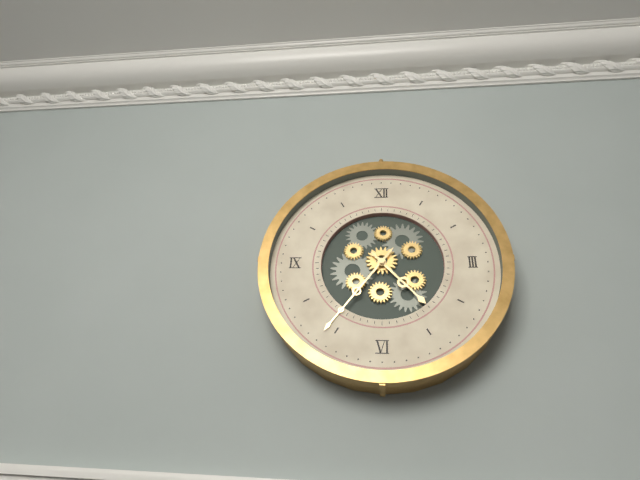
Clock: 4:36
